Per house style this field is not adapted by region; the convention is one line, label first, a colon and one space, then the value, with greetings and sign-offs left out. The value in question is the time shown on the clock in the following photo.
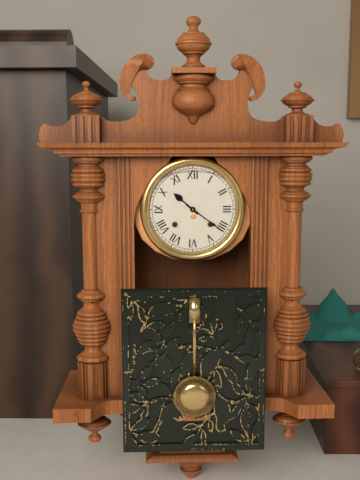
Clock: 10:21
